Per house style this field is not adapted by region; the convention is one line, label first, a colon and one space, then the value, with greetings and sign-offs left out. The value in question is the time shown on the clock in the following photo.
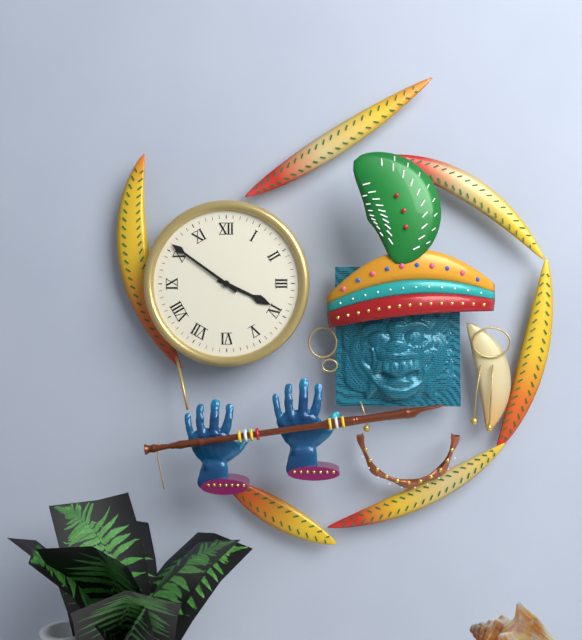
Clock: 3:51
